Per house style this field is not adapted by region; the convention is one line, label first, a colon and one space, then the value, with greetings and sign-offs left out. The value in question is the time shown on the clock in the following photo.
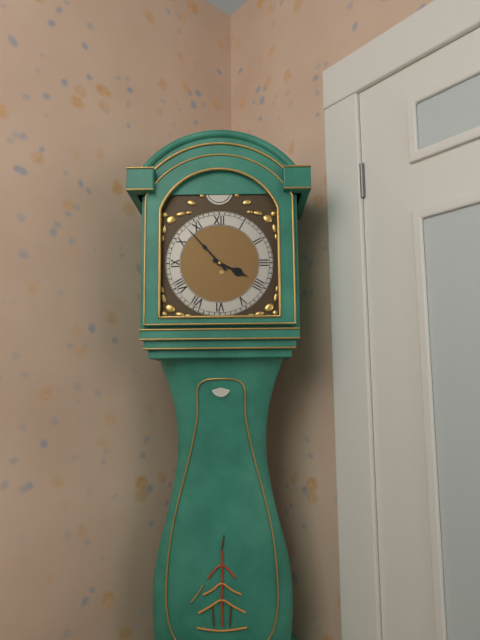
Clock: 3:53
